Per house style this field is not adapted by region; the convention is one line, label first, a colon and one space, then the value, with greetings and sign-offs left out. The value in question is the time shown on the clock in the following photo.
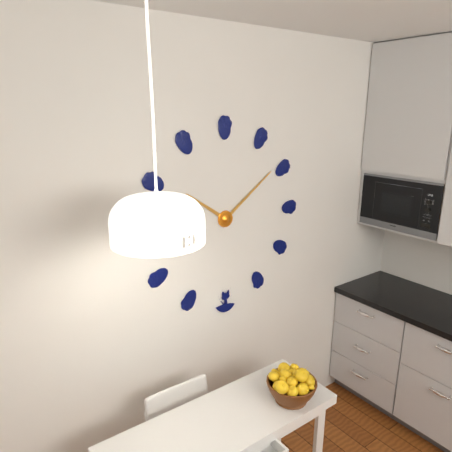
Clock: 10:09
